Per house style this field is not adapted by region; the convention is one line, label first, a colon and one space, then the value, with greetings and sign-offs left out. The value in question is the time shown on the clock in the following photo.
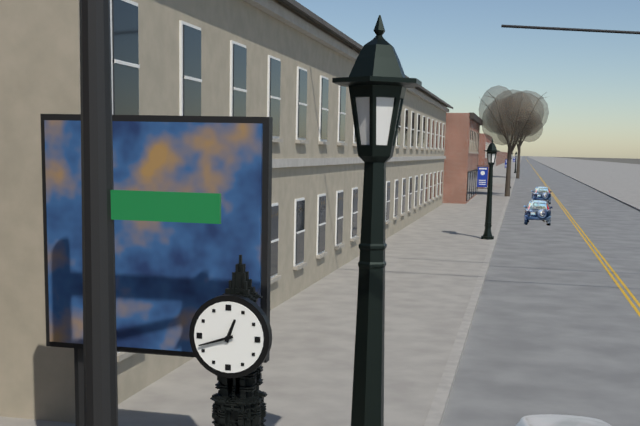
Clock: 12:42
